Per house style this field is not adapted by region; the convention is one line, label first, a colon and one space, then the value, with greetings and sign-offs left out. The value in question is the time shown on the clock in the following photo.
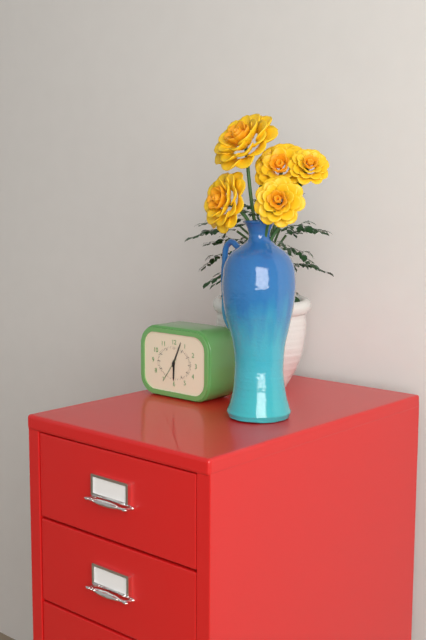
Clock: 6:04
